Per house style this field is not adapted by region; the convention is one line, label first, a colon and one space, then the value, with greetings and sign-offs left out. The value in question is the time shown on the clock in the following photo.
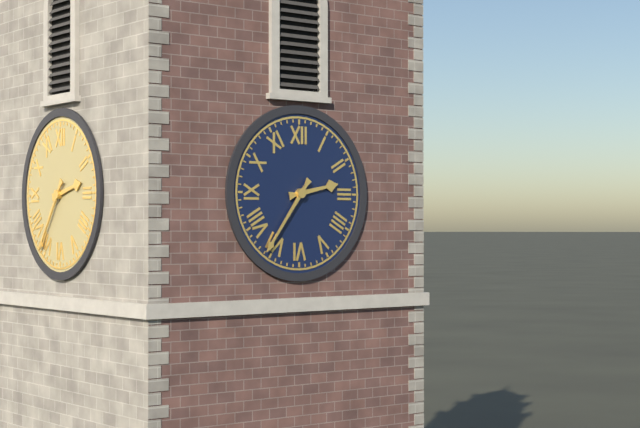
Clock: 2:36
